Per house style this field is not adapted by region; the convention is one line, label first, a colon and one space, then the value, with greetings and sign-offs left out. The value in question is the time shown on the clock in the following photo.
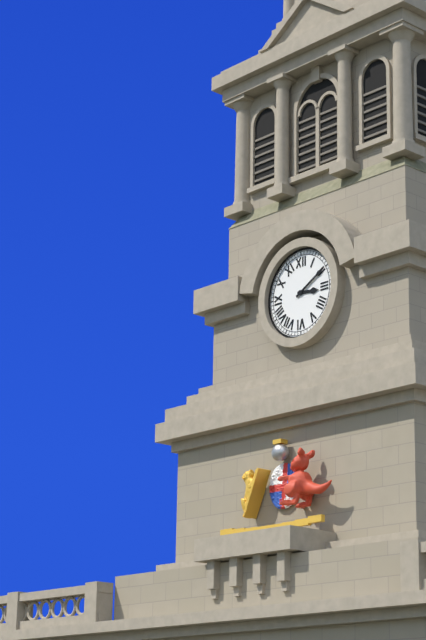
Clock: 3:10
